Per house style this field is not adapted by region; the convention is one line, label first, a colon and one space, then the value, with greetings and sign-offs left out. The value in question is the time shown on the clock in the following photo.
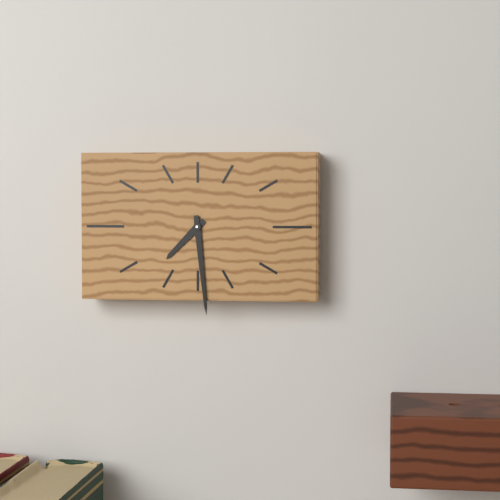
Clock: 7:29
